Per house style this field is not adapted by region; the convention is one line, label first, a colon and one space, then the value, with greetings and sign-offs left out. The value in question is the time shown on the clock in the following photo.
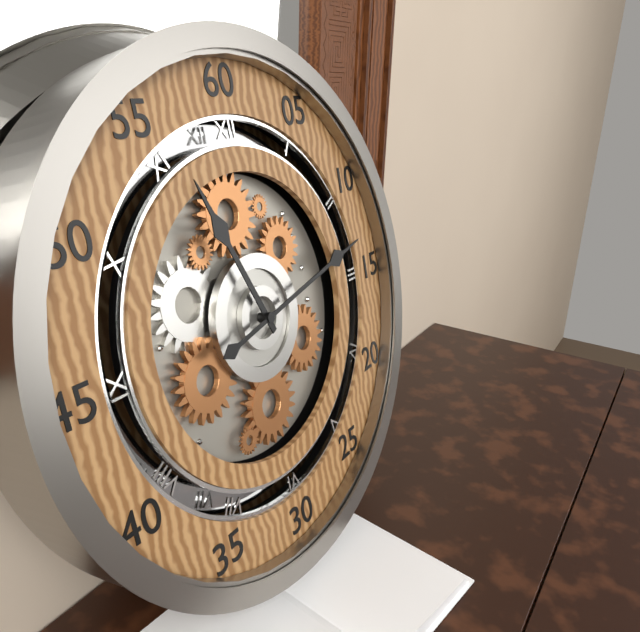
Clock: 11:13
